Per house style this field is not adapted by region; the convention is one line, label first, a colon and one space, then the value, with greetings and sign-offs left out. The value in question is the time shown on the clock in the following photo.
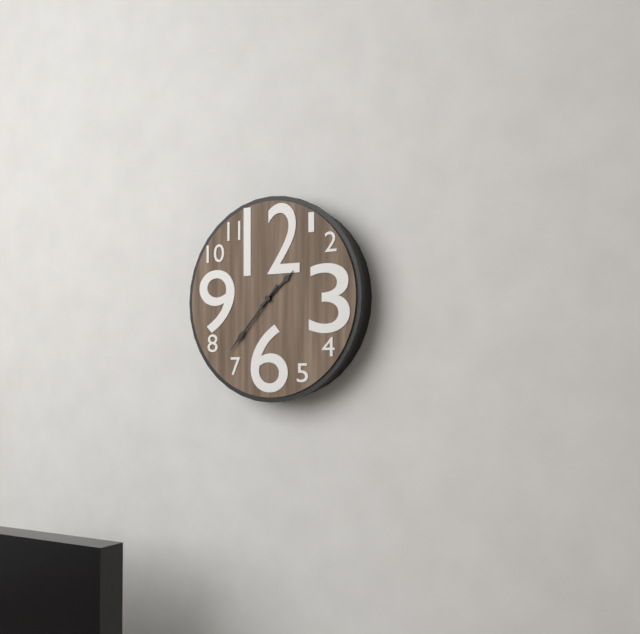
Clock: 1:37
